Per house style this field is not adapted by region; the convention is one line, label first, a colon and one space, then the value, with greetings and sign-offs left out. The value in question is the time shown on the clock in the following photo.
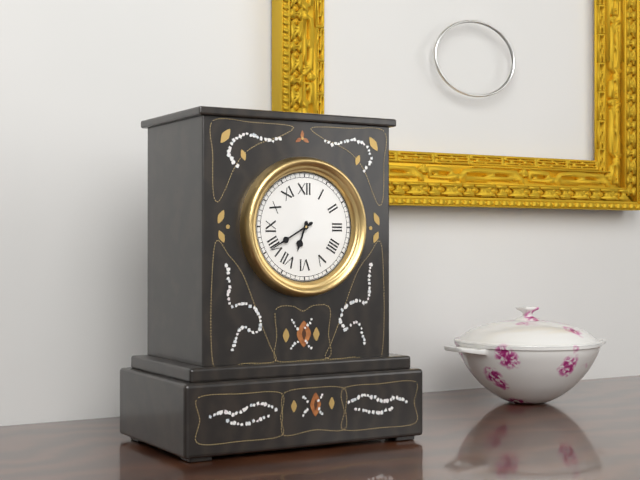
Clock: 6:40
